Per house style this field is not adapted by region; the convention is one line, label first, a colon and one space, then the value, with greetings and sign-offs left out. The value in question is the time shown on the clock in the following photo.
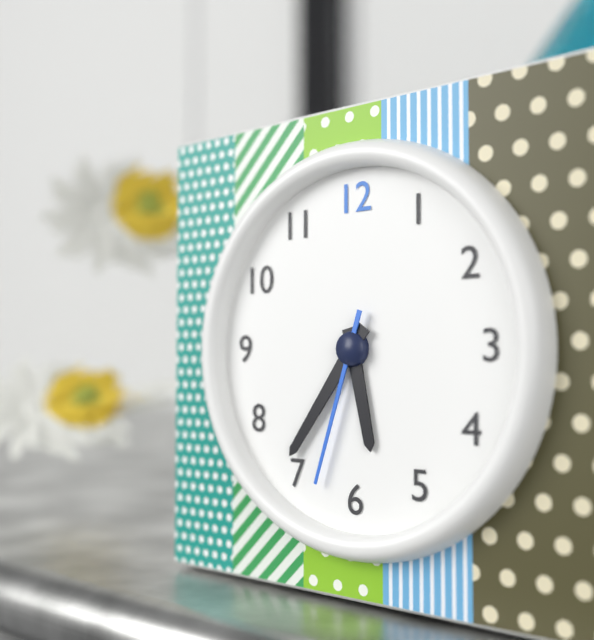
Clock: 5:36:33
